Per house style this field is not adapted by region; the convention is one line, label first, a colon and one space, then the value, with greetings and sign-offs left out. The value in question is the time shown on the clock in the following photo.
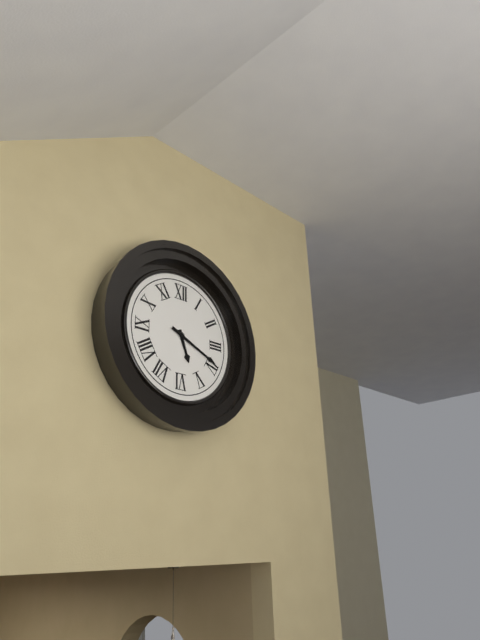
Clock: 5:19
